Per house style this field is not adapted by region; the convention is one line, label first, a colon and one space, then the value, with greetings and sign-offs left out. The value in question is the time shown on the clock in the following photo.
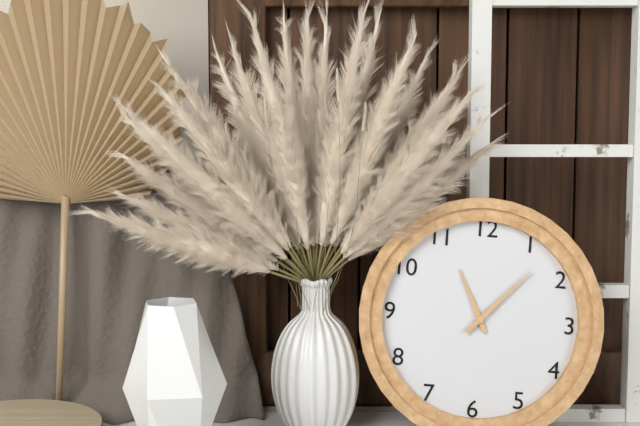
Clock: 11:07
